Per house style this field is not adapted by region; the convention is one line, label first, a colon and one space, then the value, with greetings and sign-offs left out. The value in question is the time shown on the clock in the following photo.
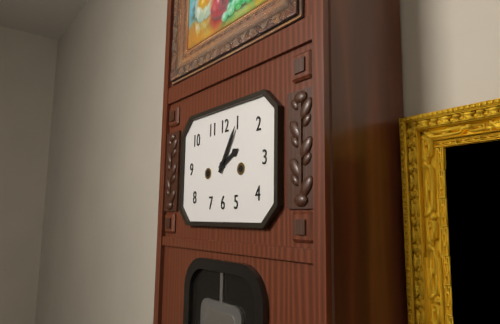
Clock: 2:05
